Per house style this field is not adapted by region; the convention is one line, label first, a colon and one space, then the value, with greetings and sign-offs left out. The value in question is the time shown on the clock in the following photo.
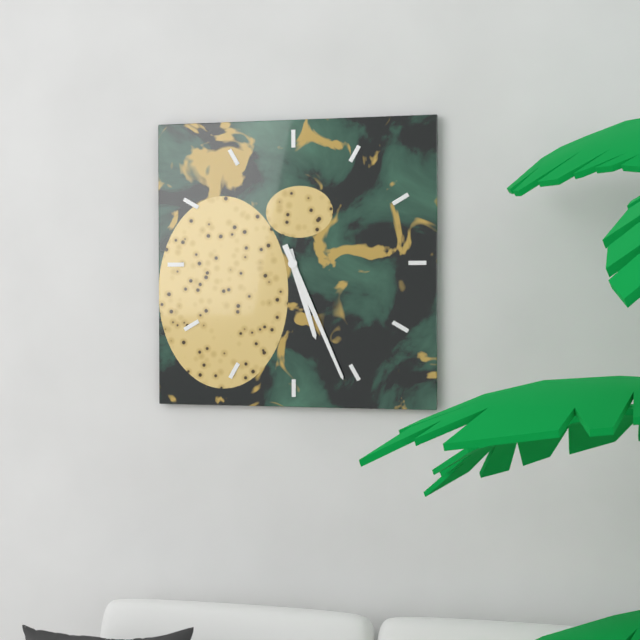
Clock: 5:26
